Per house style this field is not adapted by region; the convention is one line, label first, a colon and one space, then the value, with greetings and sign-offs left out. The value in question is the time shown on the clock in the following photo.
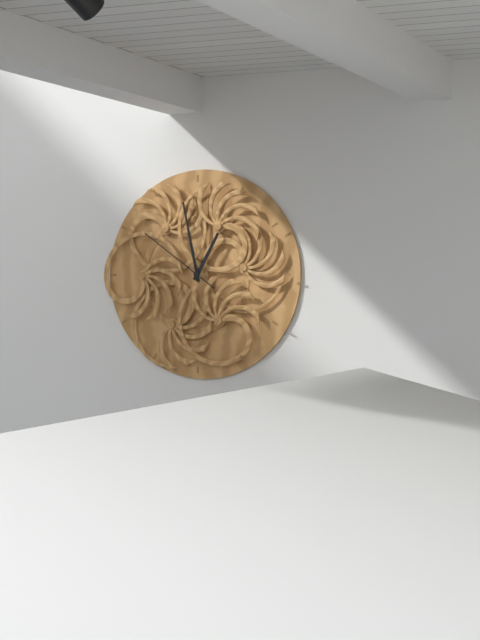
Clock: 12:58:51
